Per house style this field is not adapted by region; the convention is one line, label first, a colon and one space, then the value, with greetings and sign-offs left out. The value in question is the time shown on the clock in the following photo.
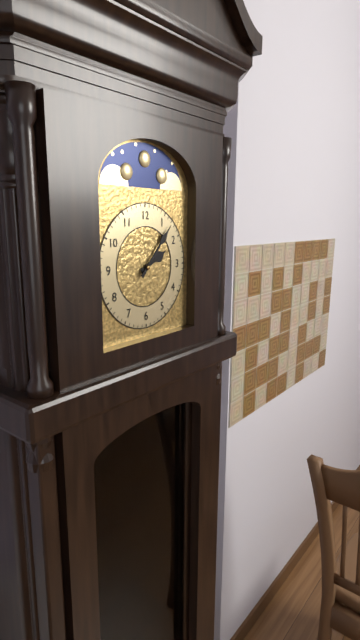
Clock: 2:07
